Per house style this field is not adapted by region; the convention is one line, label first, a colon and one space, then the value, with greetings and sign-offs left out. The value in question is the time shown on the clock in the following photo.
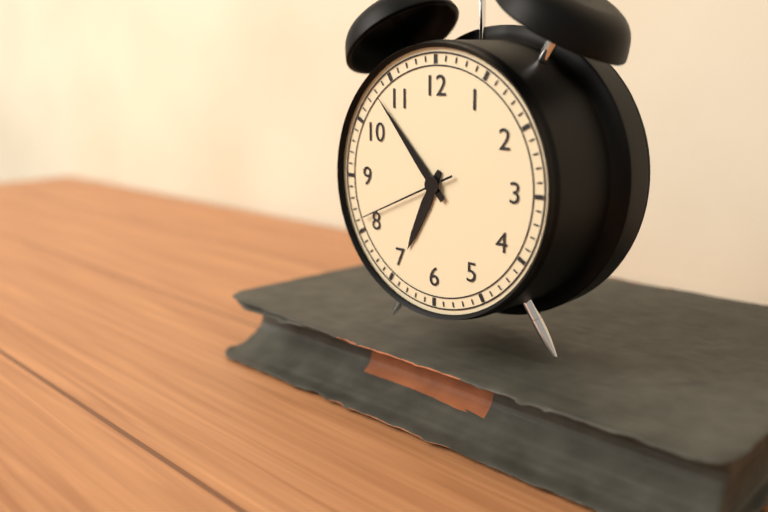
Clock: 6:53:41
